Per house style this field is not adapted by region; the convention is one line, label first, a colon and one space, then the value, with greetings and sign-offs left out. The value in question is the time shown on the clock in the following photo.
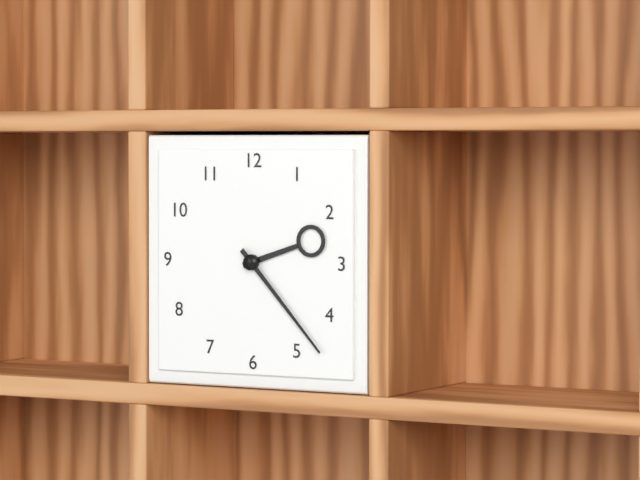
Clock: 2:23
